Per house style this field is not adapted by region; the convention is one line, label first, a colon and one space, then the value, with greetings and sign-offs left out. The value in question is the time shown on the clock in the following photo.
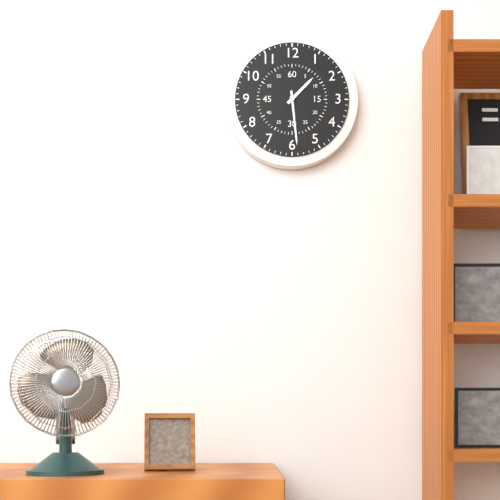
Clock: 1:29
